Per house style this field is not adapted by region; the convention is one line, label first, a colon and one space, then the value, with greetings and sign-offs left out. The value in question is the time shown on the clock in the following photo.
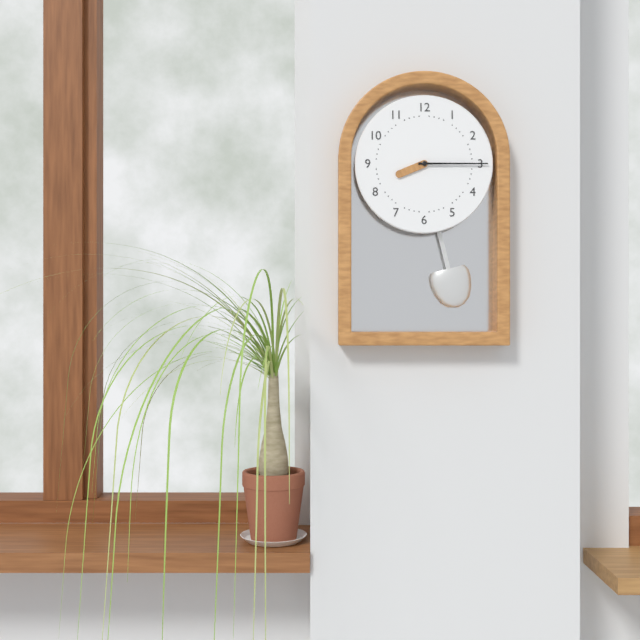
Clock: 8:15
